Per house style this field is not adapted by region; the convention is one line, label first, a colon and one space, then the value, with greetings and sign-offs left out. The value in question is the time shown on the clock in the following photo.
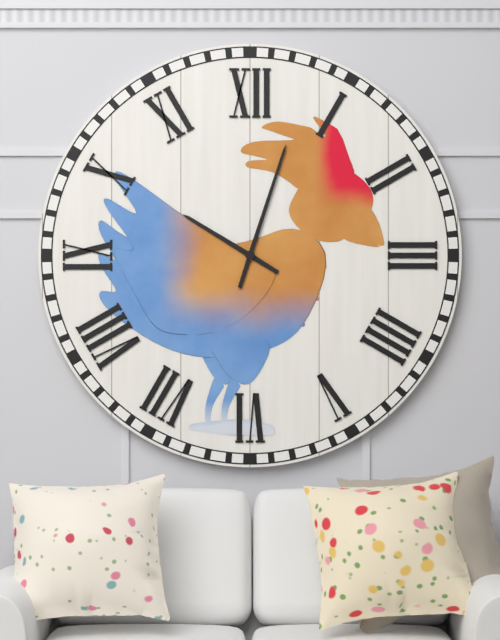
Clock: 10:03
